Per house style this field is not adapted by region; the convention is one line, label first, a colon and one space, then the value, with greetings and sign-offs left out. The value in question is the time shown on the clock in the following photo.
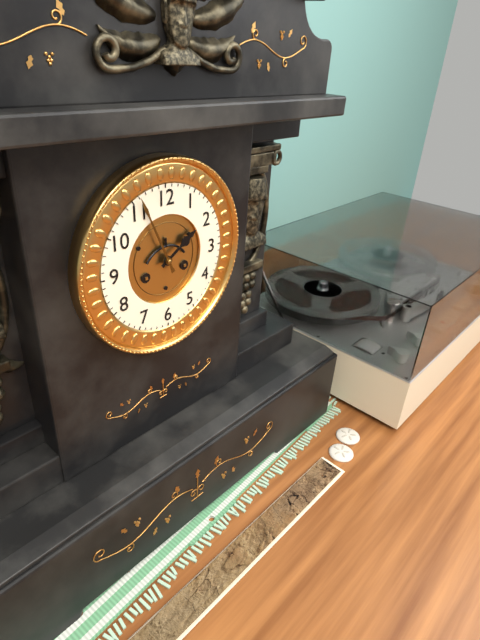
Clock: 1:56
